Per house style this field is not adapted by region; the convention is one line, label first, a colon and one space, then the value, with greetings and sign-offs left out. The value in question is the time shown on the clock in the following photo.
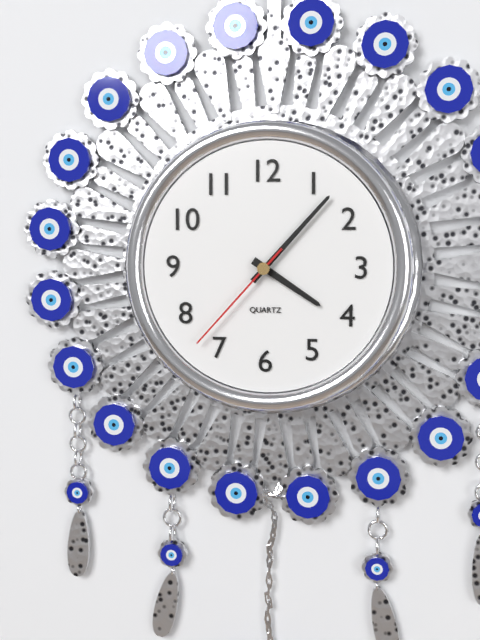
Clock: 4:07:37
